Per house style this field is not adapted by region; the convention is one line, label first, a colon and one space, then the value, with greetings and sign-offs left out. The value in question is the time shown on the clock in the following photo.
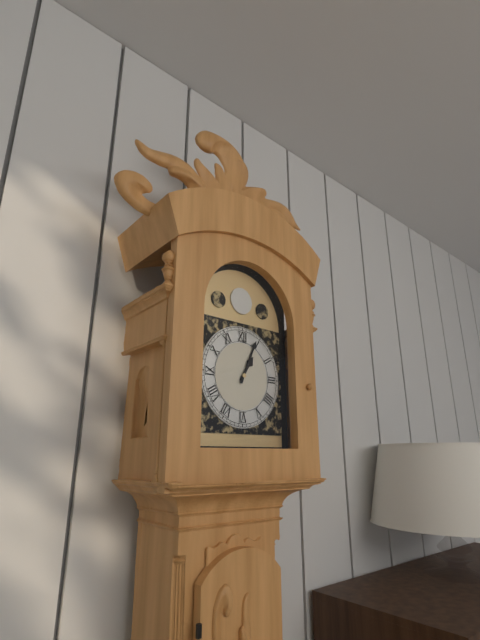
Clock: 1:04
